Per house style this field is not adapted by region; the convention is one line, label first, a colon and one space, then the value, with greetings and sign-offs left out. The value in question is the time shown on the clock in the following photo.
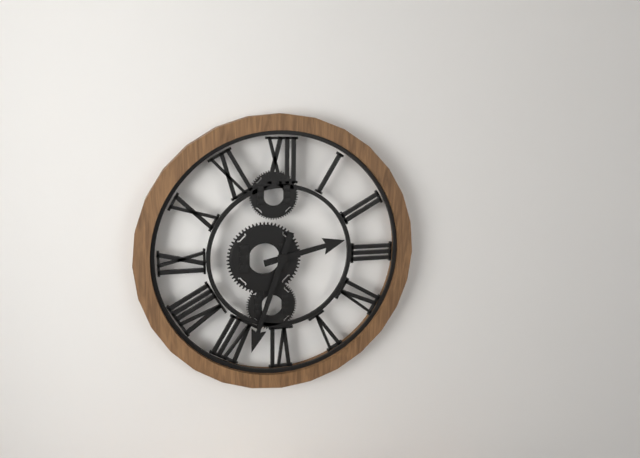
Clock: 2:33
